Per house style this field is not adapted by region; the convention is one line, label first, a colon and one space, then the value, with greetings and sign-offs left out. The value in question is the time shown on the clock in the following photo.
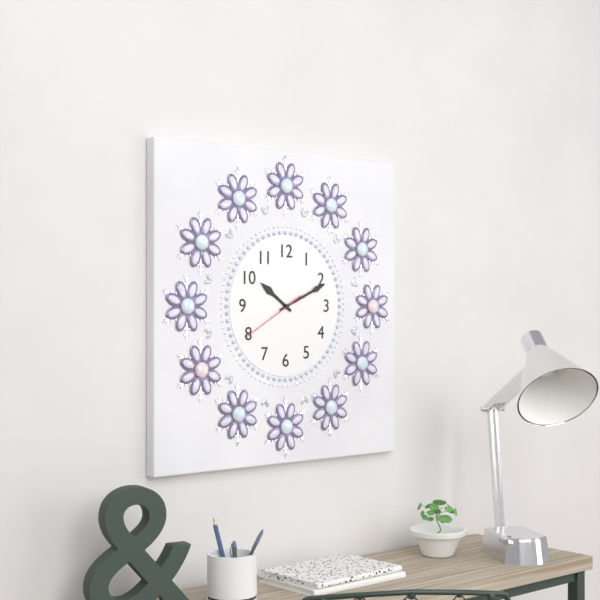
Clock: 10:11:40
